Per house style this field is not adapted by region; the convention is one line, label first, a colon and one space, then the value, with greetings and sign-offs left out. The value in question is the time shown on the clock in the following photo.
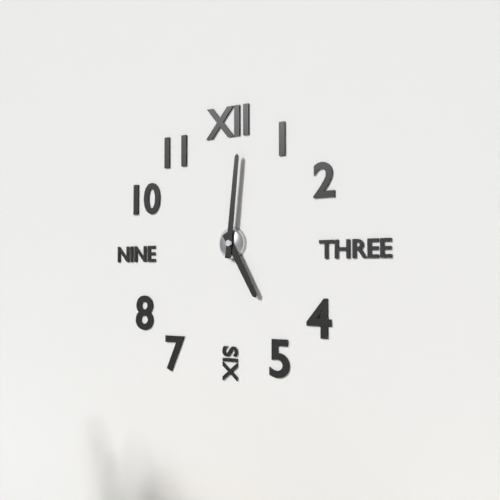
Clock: 5:01
